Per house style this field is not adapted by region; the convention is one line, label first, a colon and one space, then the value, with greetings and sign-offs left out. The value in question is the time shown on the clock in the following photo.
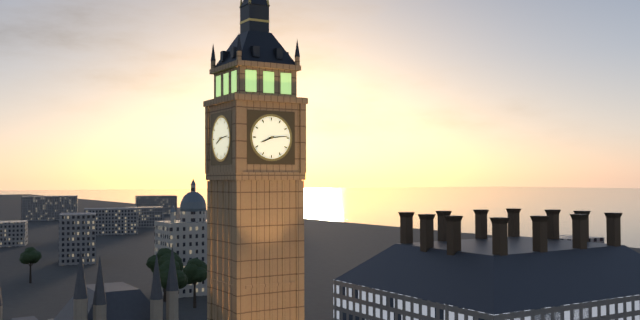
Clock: 8:14
